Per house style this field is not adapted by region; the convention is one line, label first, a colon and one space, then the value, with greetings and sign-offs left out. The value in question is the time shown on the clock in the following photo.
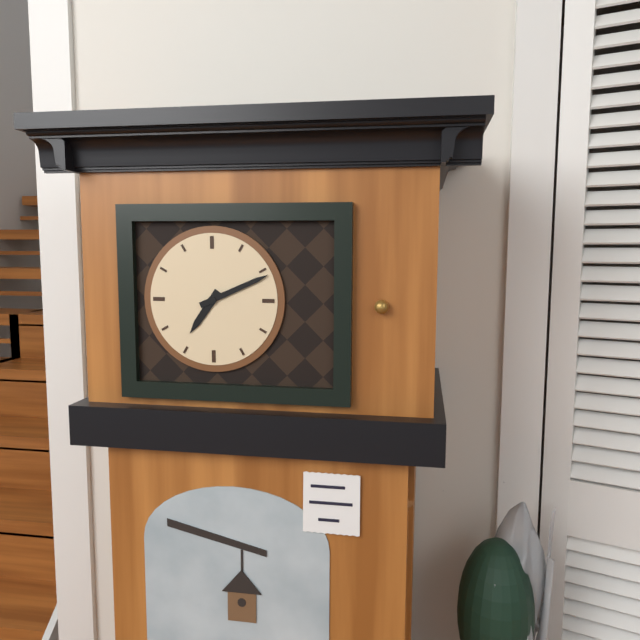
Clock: 7:11
